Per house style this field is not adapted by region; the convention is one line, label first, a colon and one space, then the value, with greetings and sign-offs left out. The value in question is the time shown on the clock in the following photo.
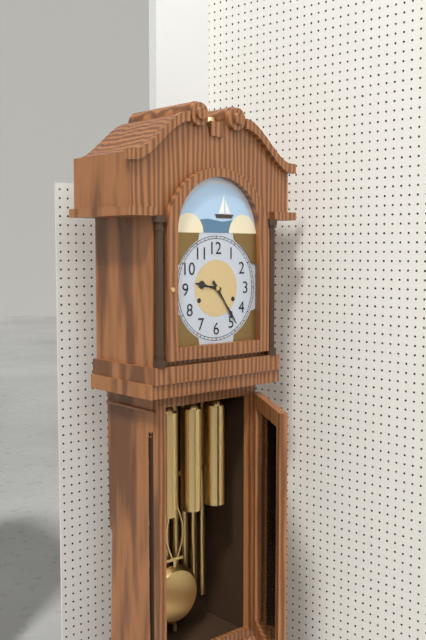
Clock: 9:24
